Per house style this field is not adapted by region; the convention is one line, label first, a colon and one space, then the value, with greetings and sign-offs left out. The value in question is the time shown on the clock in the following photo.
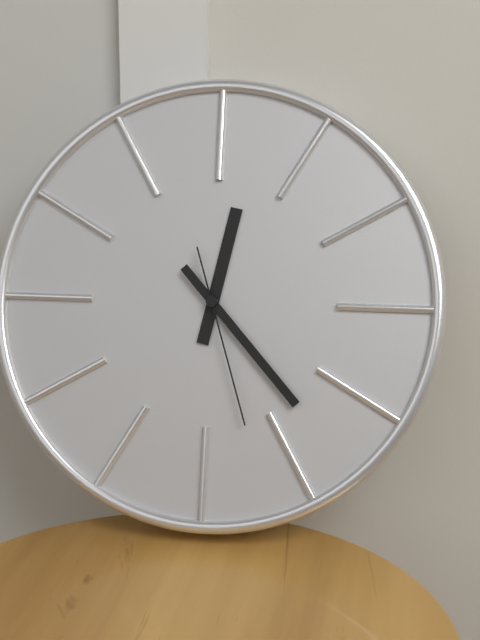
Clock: 12:23:27
